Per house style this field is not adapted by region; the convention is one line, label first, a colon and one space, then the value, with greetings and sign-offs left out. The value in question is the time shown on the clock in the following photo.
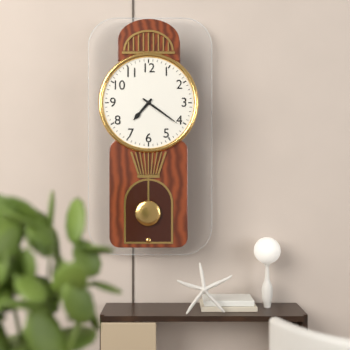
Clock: 7:21
